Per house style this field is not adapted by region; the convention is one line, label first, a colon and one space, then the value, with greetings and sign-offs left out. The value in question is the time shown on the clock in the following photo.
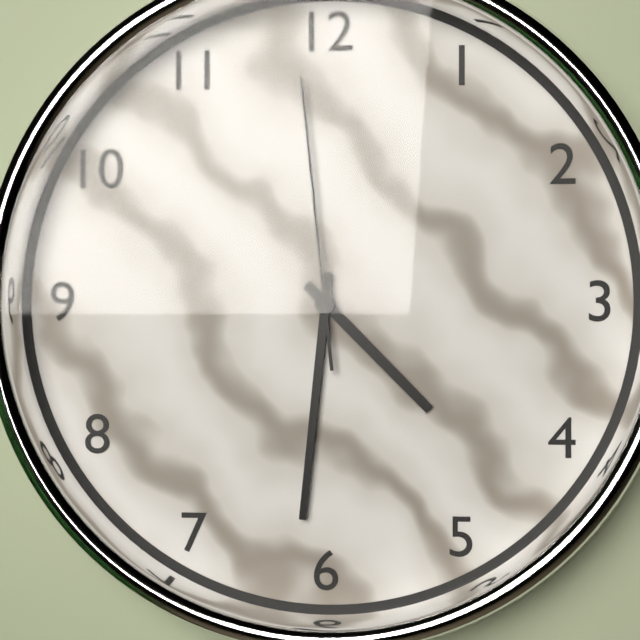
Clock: 4:31:59
